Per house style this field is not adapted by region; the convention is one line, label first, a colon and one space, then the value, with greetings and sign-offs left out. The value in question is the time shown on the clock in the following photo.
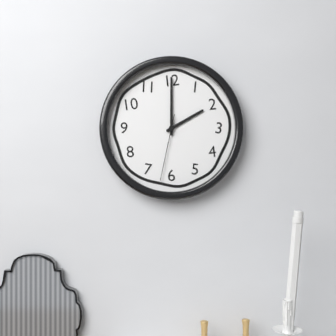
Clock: 2:00:32
